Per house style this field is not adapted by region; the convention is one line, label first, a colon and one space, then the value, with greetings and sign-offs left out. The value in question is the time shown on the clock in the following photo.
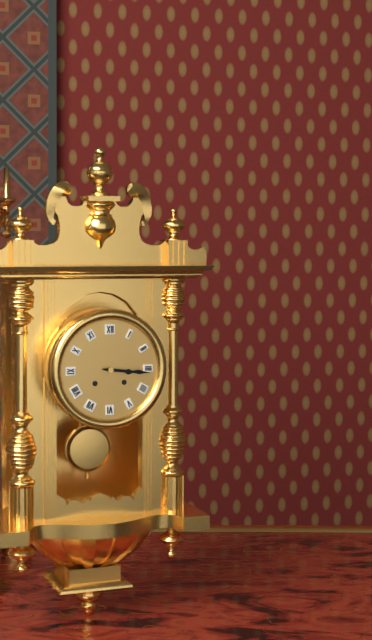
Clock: 3:16
